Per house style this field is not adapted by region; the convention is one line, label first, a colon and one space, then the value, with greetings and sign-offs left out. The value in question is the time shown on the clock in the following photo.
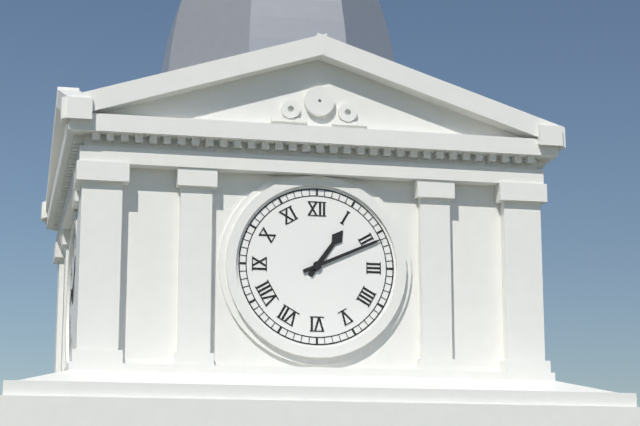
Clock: 1:11
